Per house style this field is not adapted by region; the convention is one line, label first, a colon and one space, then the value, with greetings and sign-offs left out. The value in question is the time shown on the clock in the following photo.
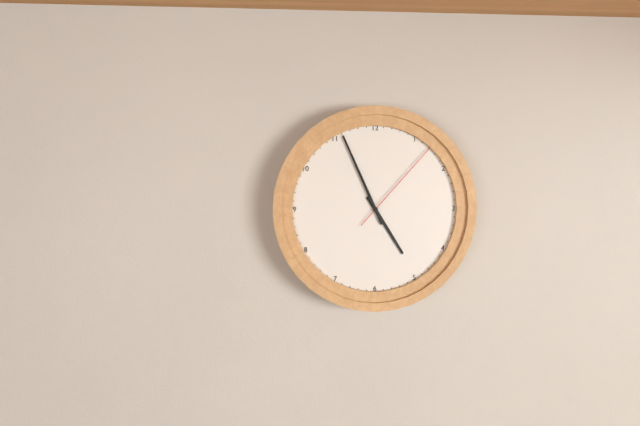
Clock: 4:56:07
